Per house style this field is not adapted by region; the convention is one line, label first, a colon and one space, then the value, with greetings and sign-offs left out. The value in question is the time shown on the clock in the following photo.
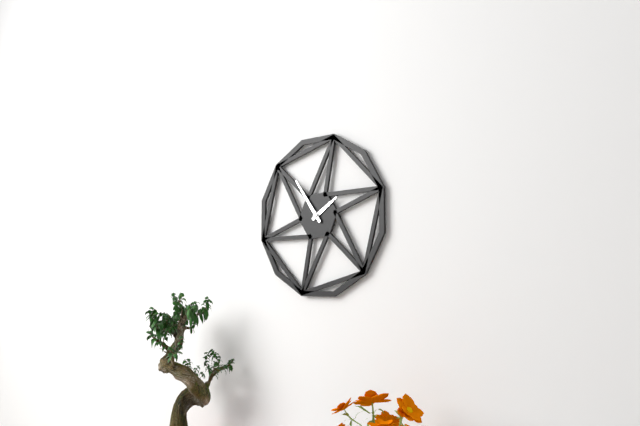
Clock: 1:54
